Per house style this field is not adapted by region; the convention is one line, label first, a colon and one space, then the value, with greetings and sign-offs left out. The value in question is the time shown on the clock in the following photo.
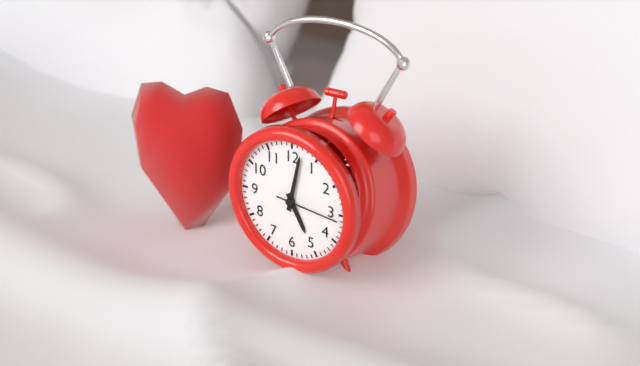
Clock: 5:02:16
